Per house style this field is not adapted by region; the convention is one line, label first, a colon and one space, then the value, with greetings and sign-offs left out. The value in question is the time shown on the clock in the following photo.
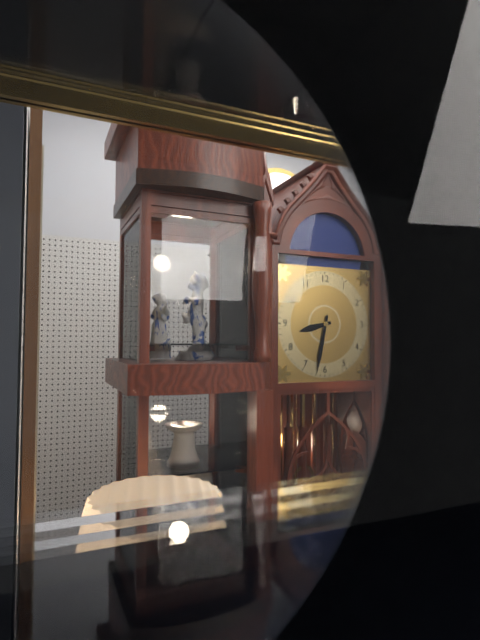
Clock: 8:32
